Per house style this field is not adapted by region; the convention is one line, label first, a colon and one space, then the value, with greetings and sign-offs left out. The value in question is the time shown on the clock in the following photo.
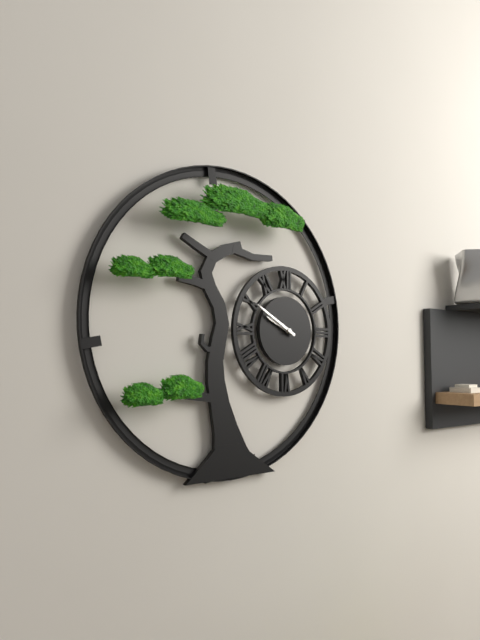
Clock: 9:50
